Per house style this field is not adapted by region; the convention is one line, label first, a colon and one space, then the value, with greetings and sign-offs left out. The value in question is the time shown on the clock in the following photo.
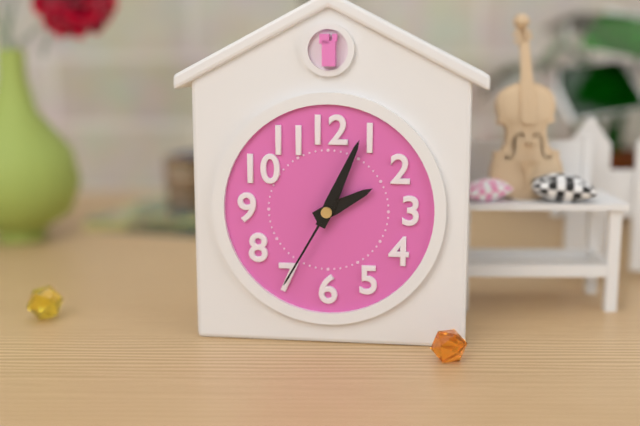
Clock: 2:04:35
